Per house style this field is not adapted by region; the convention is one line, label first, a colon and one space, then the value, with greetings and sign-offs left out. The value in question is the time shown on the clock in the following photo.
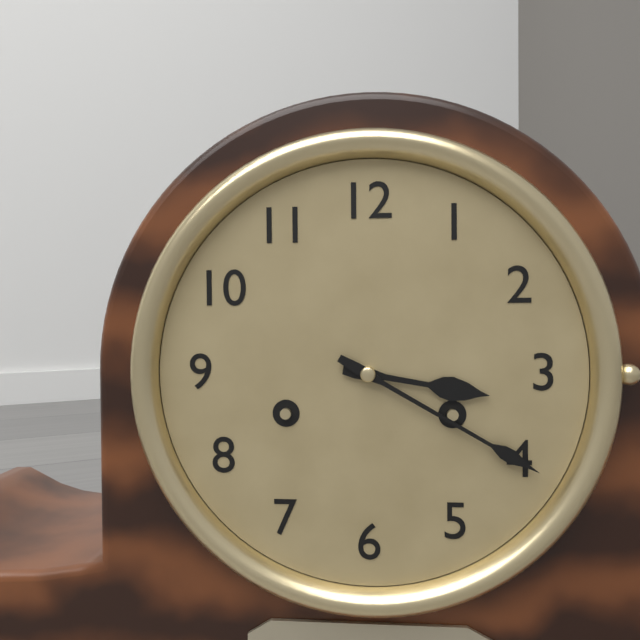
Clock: 3:20
